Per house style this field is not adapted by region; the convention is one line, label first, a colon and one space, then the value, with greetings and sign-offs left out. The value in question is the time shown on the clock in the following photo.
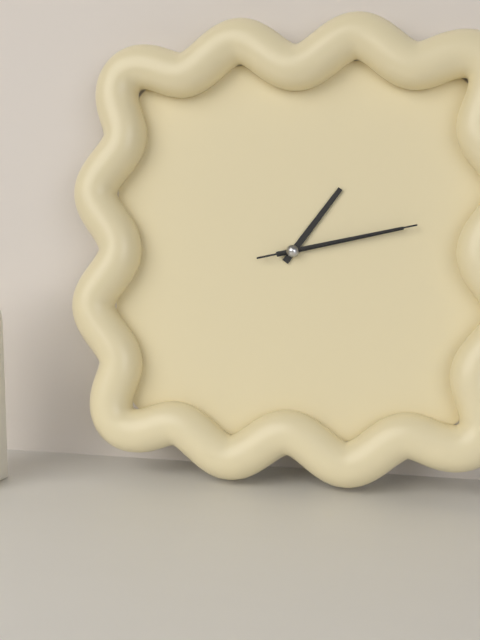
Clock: 1:13:13
